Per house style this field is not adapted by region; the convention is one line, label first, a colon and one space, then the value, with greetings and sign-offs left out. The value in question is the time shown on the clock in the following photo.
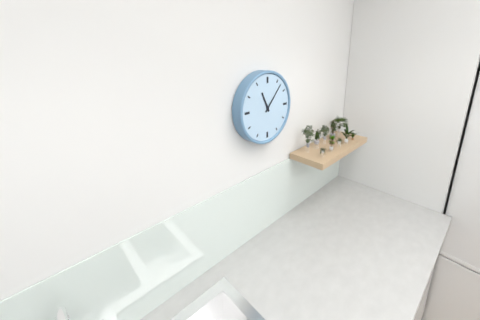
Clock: 11:07
